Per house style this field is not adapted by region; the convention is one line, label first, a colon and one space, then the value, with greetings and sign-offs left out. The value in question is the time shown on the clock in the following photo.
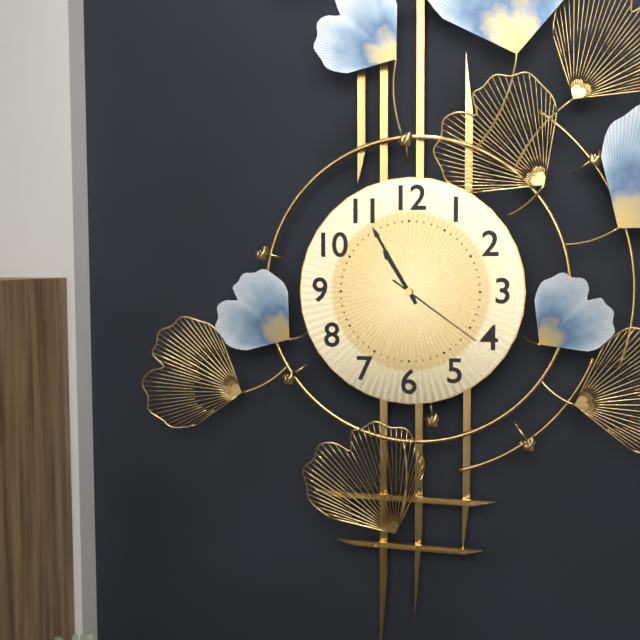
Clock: 10:55:21
